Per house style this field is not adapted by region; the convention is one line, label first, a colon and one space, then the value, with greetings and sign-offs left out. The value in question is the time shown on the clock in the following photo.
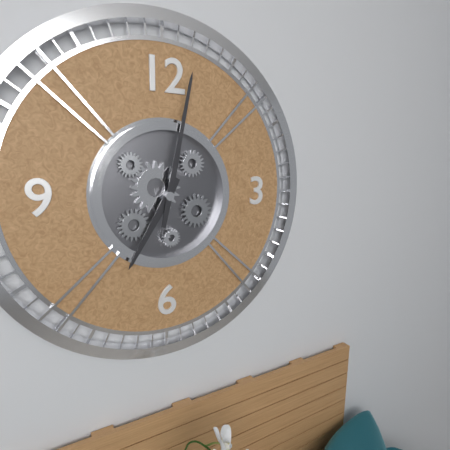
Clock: 7:02
